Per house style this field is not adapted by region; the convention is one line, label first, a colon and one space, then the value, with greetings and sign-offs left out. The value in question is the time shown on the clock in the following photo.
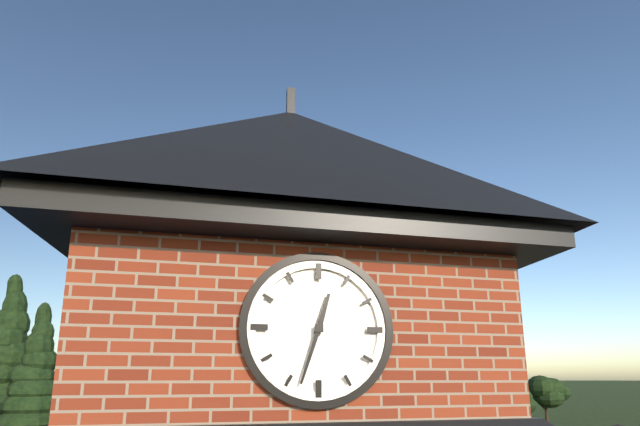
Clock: 12:33
